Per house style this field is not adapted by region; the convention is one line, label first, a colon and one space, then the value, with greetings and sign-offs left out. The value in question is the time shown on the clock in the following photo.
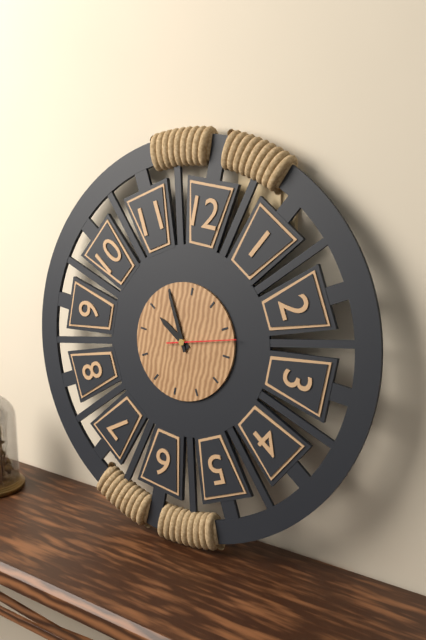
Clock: 9:55:12
